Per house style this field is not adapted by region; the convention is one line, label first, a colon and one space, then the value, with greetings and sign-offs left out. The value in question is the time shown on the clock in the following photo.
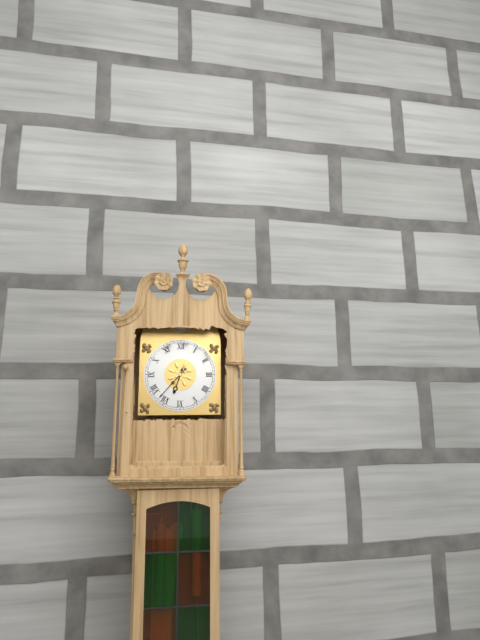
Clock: 6:37
